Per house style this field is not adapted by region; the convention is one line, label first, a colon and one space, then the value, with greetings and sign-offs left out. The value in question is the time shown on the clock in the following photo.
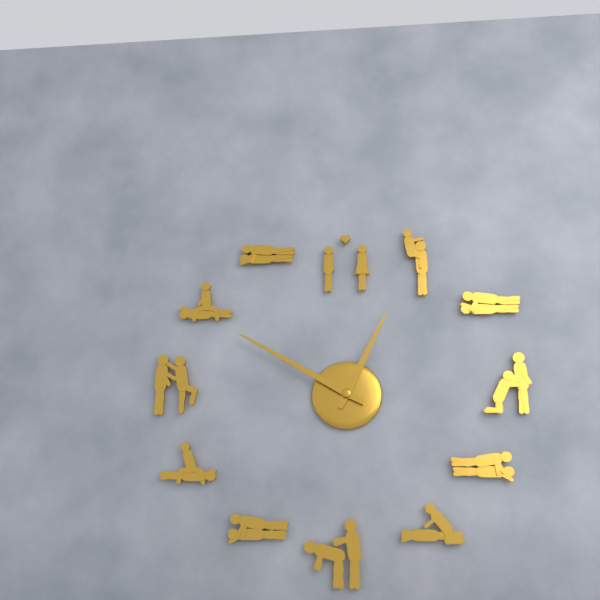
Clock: 12:50
